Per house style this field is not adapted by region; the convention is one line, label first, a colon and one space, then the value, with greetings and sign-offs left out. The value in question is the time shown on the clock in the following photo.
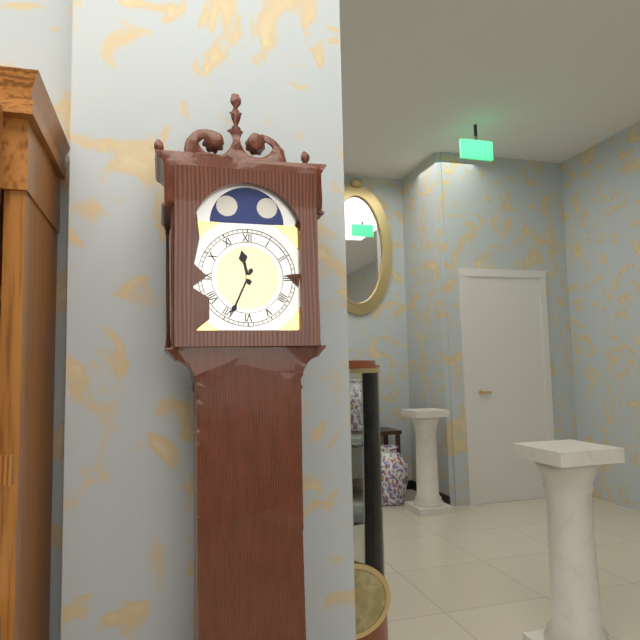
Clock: 11:34
